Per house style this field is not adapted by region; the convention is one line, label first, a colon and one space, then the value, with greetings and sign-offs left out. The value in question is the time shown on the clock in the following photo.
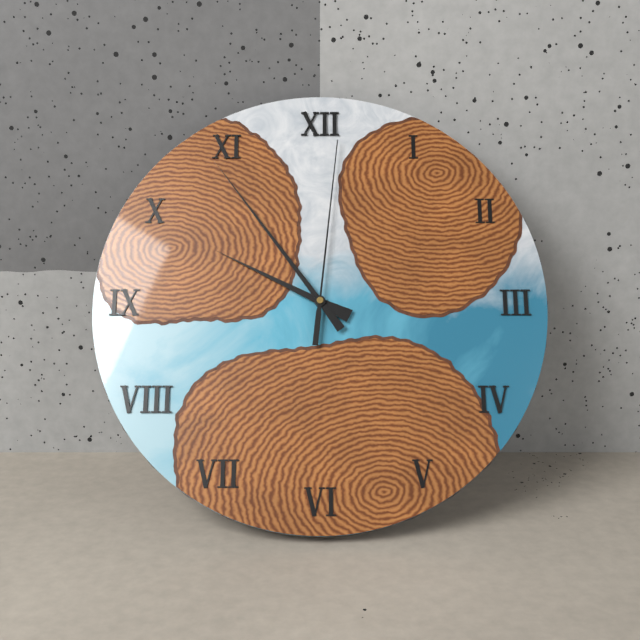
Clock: 9:54:01
